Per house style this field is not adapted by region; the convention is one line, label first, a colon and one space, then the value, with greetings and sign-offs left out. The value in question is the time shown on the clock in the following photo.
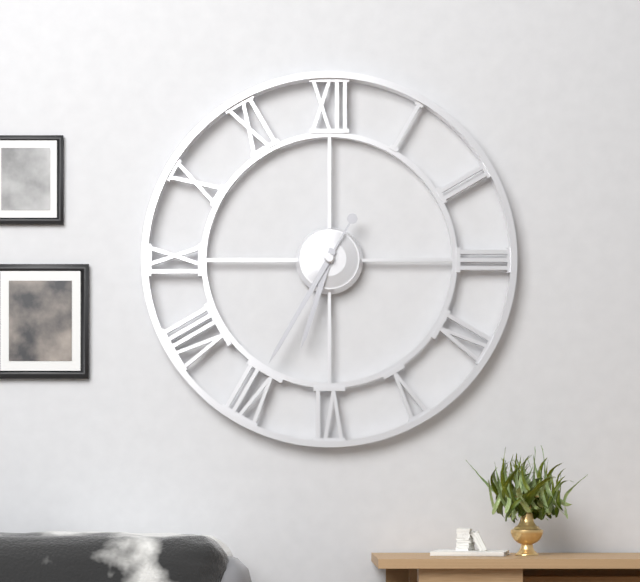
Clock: 6:35
